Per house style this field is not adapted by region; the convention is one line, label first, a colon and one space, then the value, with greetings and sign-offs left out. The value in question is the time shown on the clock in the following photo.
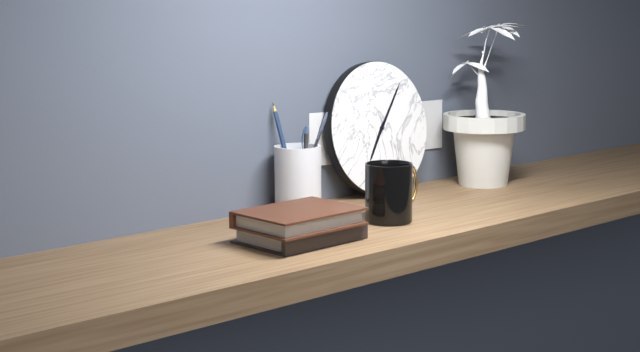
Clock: 7:06
